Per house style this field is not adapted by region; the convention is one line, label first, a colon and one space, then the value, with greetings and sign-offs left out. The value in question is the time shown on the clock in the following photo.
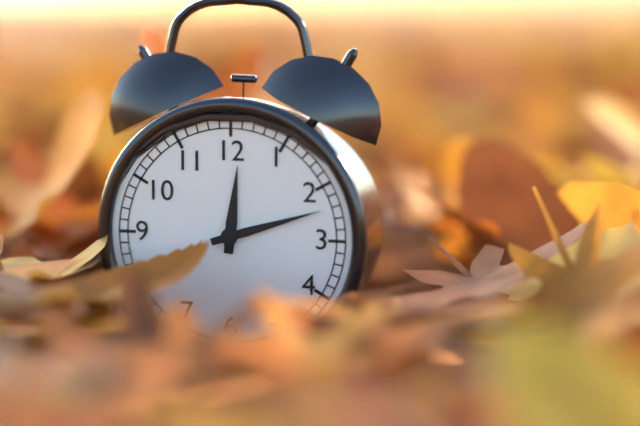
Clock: 12:12
